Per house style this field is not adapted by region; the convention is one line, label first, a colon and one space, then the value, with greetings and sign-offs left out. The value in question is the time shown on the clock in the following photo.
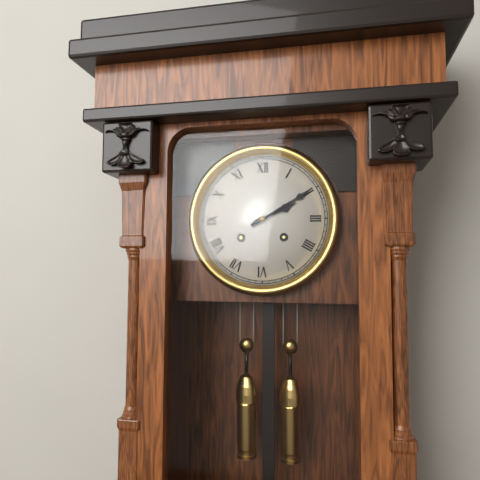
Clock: 2:10
